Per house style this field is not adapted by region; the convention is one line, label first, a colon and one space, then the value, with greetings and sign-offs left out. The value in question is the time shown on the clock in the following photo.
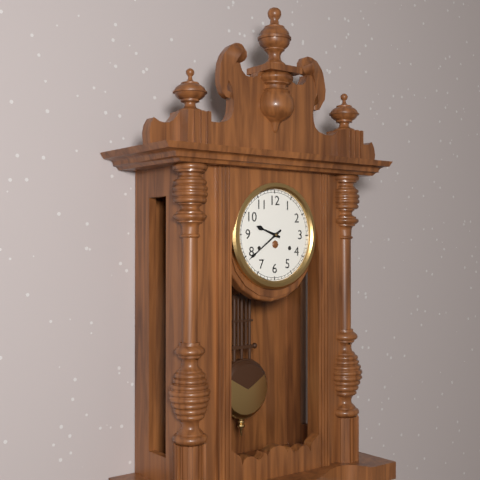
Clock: 9:39
